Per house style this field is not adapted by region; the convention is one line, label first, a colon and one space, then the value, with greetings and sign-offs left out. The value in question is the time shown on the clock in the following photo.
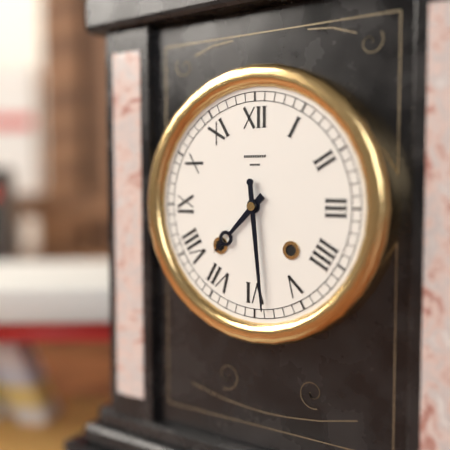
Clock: 7:29
